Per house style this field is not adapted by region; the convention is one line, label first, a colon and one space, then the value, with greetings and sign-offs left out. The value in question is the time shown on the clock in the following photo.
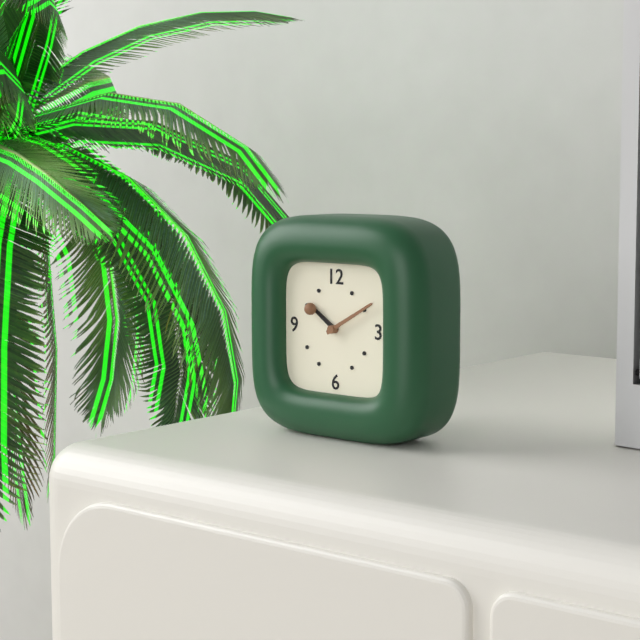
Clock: 10:10
